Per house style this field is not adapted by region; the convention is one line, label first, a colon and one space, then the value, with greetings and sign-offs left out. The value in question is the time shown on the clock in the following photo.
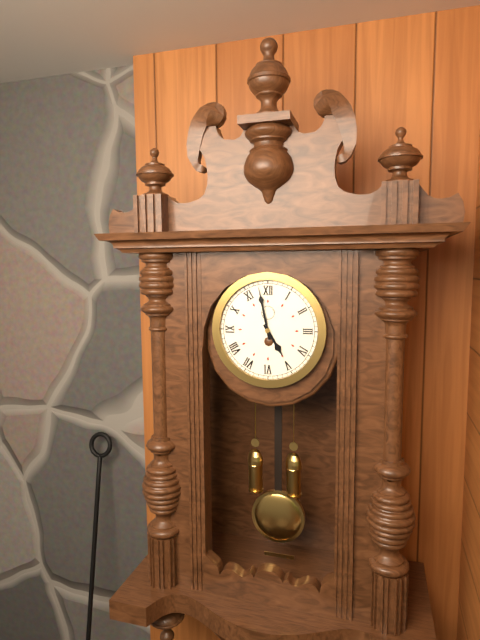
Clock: 4:58
